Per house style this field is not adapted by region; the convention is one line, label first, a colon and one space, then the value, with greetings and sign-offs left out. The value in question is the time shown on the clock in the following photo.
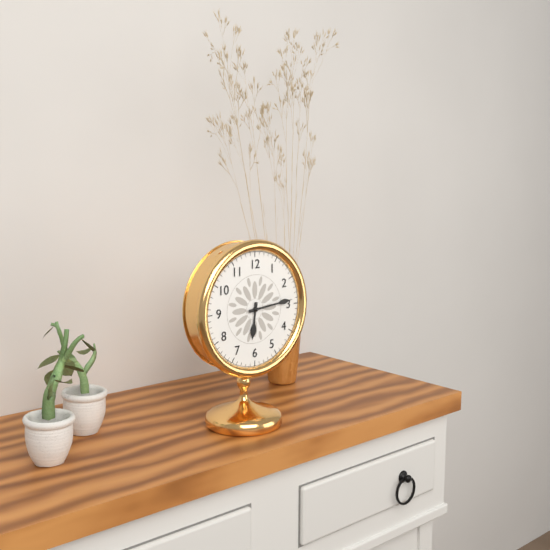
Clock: 6:14
